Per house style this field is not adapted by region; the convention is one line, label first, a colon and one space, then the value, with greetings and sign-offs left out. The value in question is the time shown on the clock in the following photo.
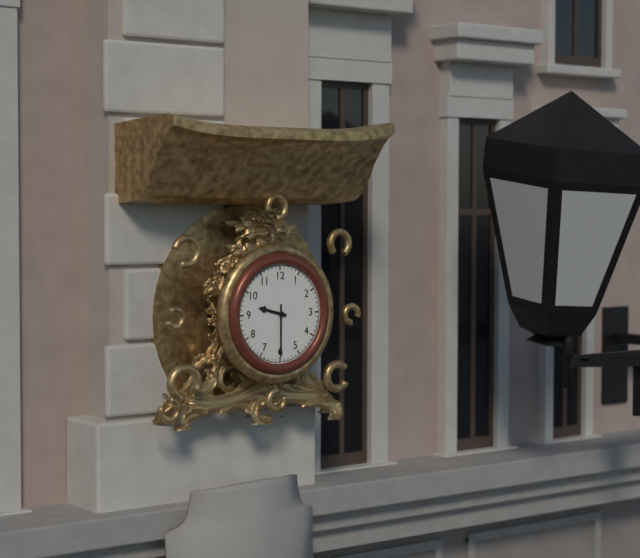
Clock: 9:30
